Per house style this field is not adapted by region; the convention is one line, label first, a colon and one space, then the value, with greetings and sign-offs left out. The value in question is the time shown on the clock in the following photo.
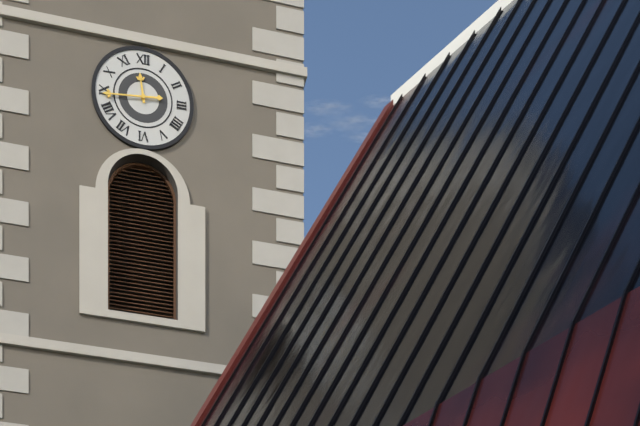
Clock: 11:44
